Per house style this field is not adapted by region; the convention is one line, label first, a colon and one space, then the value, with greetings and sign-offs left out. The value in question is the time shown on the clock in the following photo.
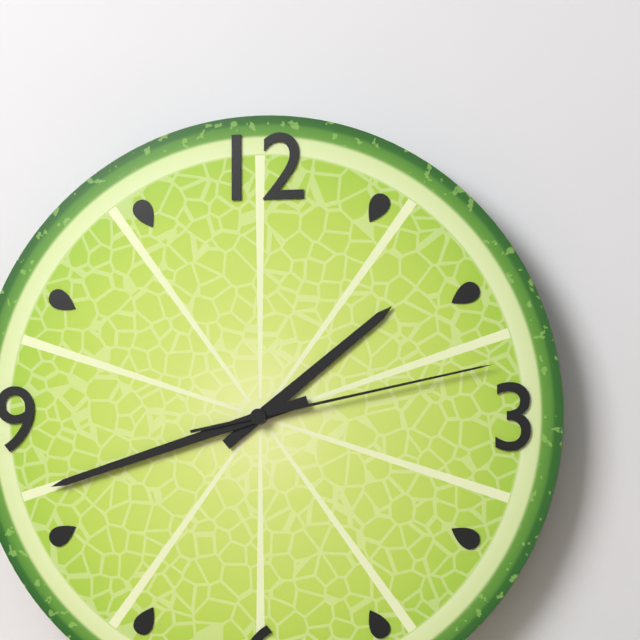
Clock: 1:42:13
